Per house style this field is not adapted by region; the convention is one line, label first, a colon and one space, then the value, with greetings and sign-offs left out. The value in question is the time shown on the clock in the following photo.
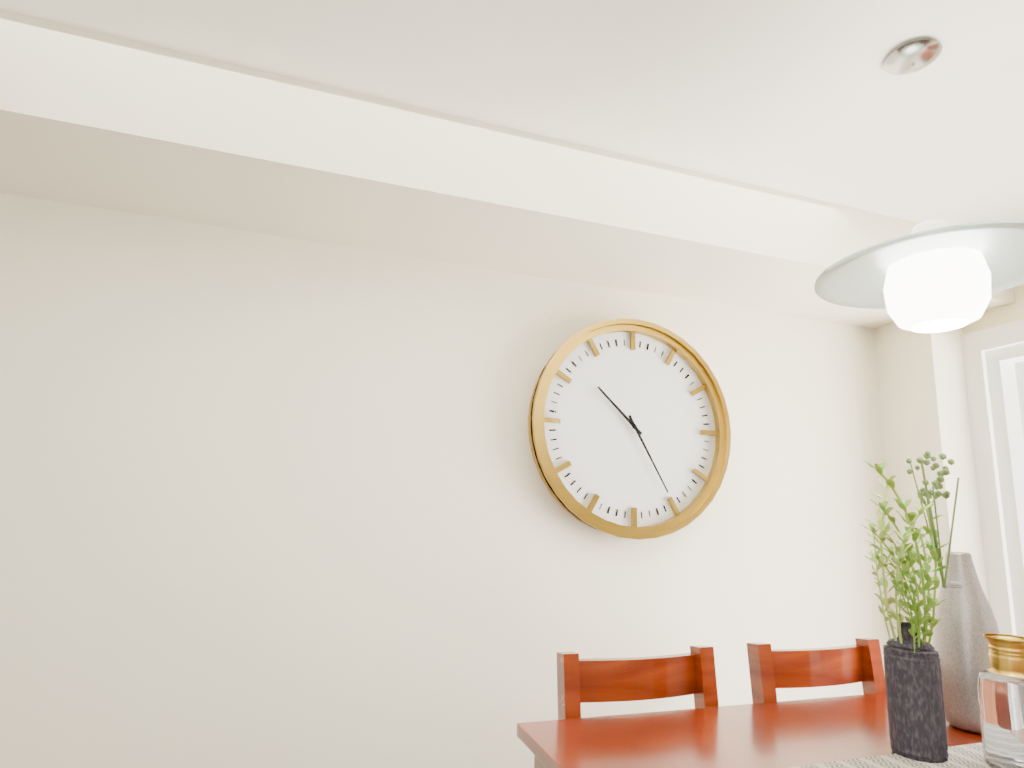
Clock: 10:25
